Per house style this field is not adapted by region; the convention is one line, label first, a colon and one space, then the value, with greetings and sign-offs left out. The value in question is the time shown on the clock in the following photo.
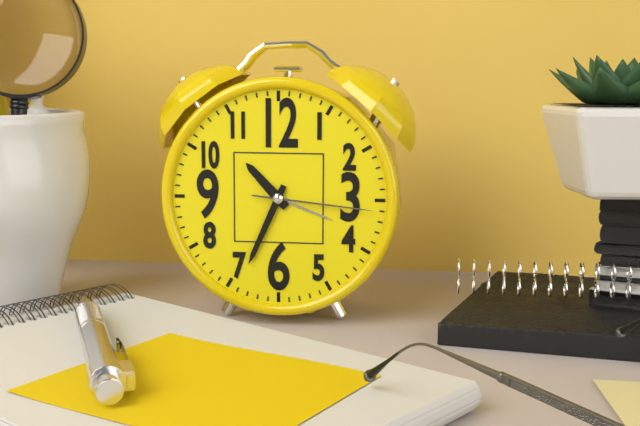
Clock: 10:34:16
